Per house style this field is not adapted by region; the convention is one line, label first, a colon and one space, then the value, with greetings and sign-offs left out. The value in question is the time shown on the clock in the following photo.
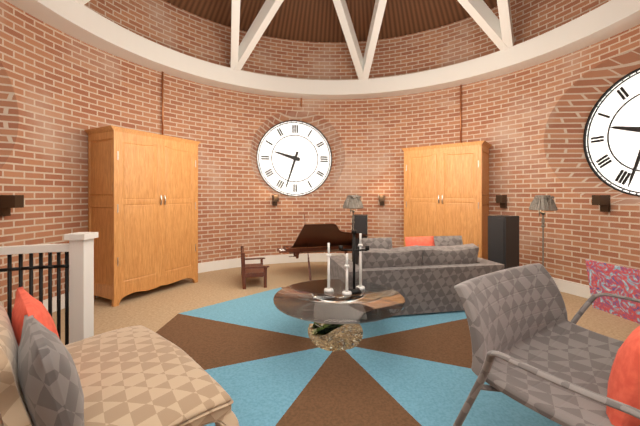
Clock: 9:33
